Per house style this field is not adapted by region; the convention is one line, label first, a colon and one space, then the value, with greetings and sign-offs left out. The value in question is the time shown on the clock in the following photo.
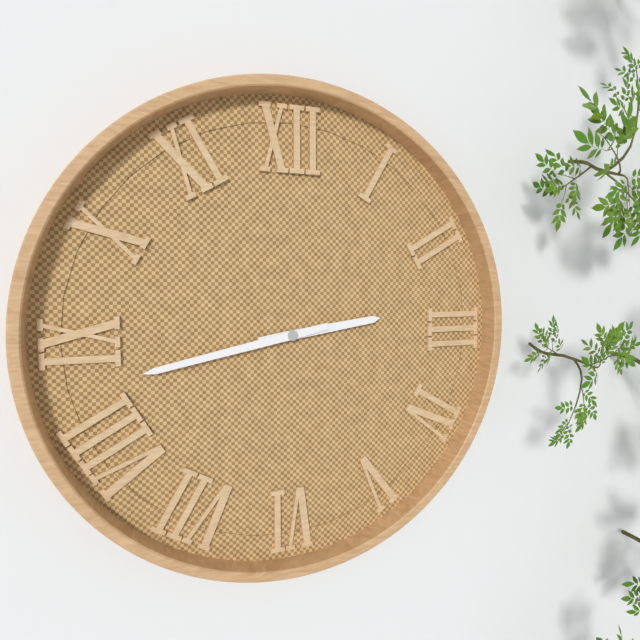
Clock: 2:43
